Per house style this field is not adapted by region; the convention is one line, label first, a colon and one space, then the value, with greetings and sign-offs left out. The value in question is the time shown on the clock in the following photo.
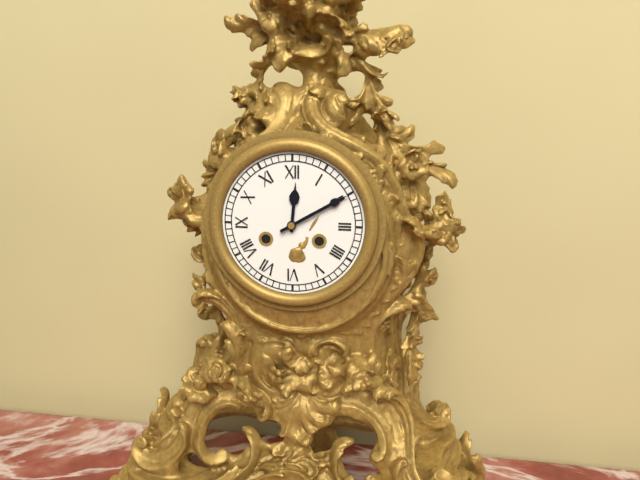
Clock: 12:10
